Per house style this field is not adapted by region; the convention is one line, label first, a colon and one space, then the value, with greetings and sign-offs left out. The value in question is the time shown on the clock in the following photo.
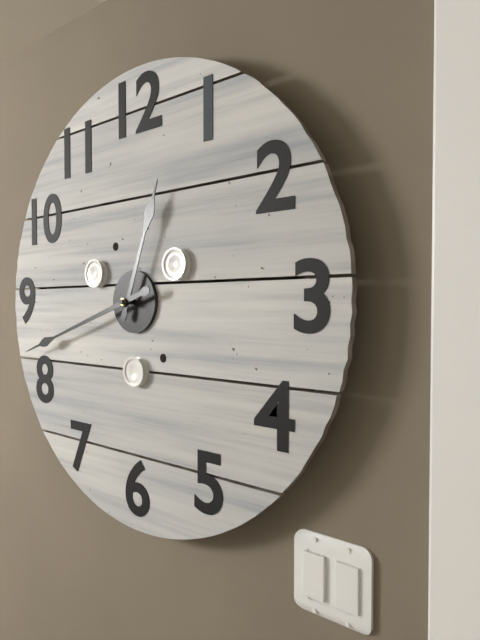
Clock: 12:42
